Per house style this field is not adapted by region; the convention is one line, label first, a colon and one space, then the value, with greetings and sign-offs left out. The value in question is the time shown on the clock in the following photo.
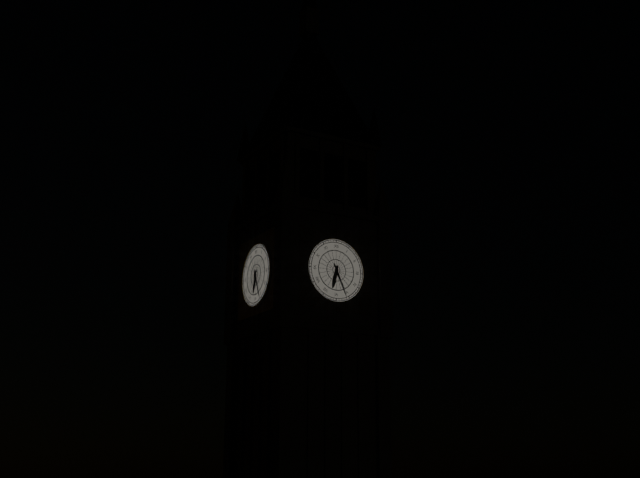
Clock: 6:26
